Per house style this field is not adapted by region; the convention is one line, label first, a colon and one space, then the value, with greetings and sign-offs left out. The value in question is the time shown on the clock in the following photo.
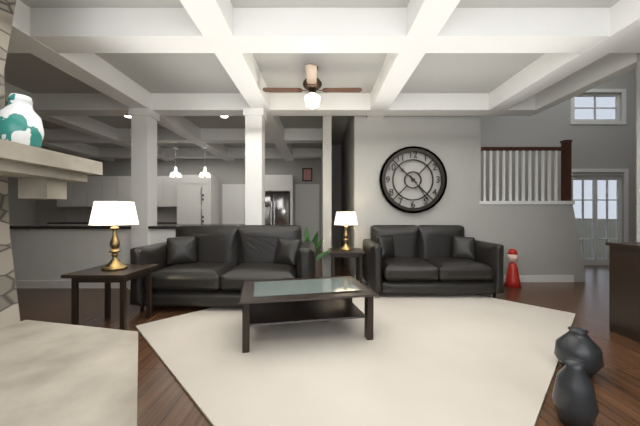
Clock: 10:24
